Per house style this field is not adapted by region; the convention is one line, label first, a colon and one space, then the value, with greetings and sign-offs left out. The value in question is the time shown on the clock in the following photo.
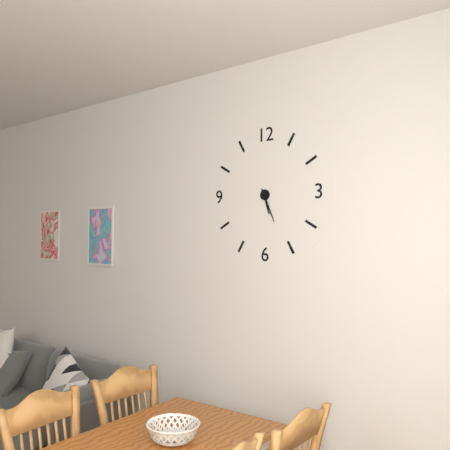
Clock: 5:26
